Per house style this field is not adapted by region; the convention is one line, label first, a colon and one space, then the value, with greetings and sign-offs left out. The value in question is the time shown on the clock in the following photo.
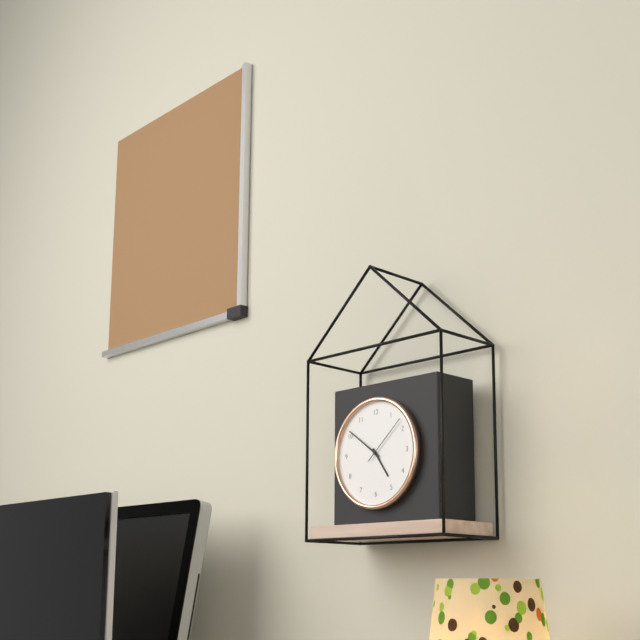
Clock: 4:51:08
